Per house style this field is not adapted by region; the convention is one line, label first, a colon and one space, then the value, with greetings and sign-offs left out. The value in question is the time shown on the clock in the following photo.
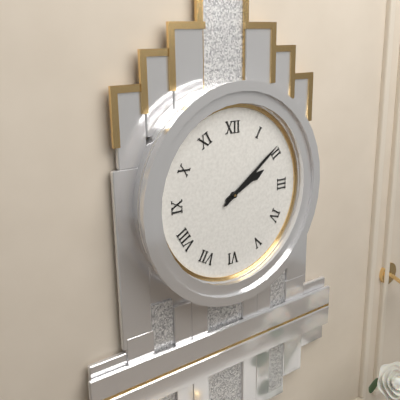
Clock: 2:09
